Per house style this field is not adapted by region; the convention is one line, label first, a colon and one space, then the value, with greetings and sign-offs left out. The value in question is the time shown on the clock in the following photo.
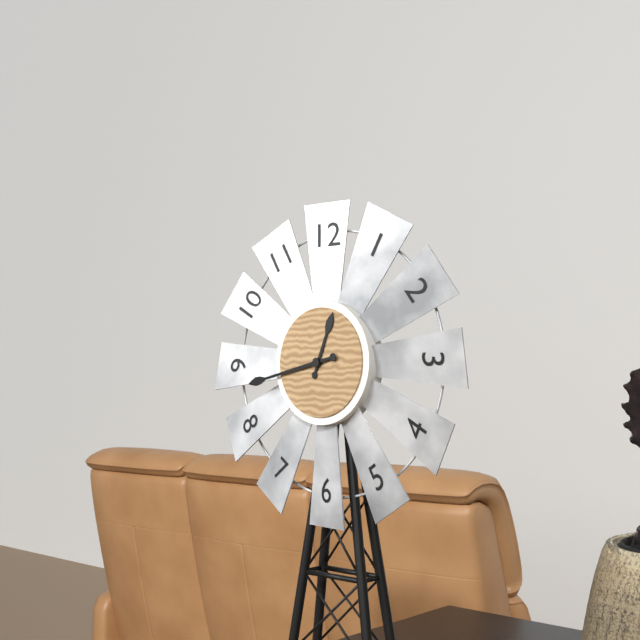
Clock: 12:43
